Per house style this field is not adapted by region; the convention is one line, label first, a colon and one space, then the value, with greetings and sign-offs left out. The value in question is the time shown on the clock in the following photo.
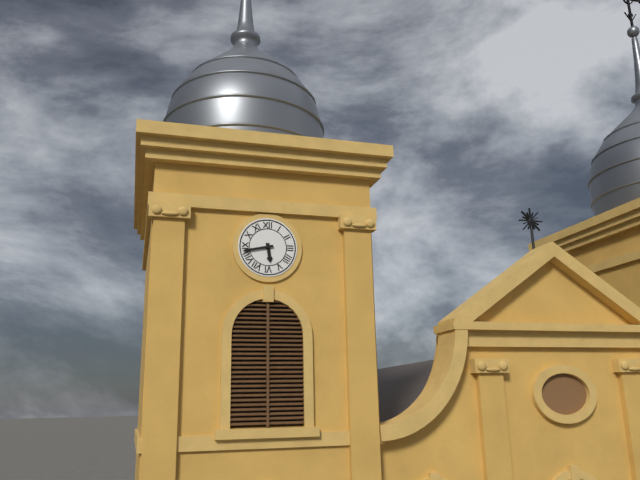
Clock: 5:43
